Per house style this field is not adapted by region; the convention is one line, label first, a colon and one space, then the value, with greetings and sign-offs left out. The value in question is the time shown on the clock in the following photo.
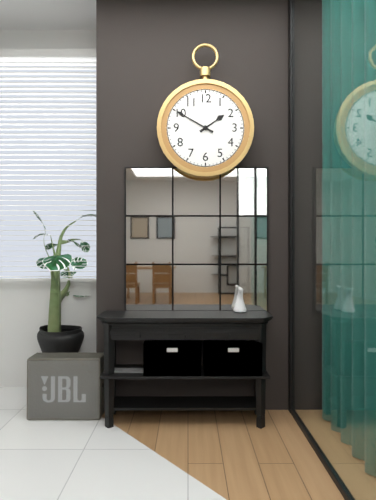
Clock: 1:50
